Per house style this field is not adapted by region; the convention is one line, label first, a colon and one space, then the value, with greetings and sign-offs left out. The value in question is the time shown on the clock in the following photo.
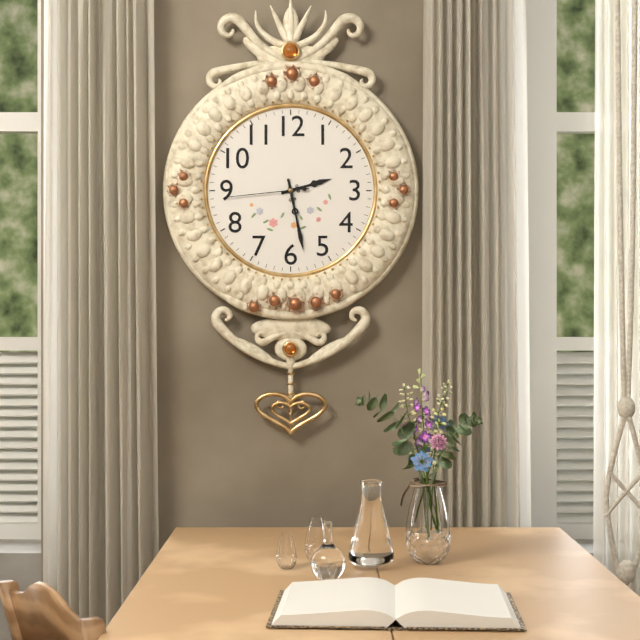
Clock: 2:28:44
